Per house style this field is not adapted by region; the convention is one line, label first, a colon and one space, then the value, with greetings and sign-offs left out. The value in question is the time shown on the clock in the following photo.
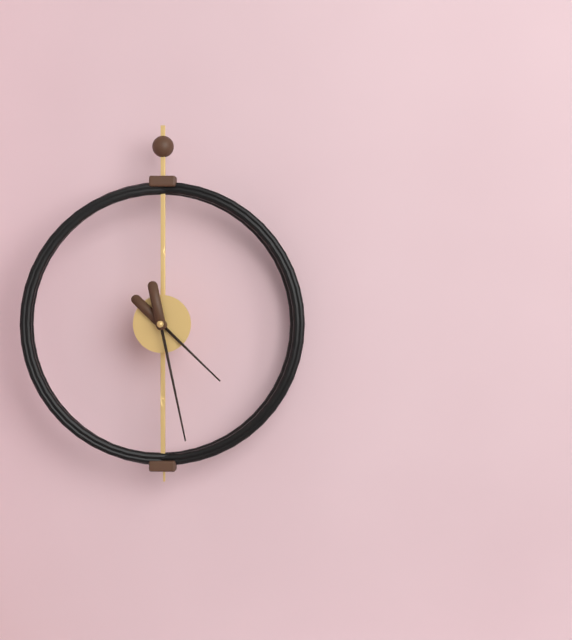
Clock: 4:28
